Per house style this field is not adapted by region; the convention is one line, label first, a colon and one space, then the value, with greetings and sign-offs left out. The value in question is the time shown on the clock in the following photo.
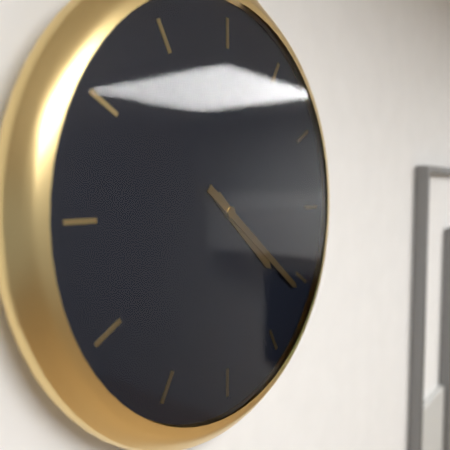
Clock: 4:21
